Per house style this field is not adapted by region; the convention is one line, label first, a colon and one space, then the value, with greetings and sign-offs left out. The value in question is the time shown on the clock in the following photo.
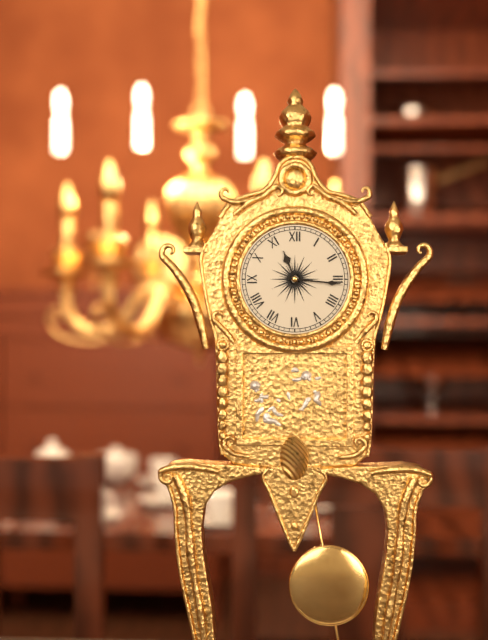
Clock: 11:16
